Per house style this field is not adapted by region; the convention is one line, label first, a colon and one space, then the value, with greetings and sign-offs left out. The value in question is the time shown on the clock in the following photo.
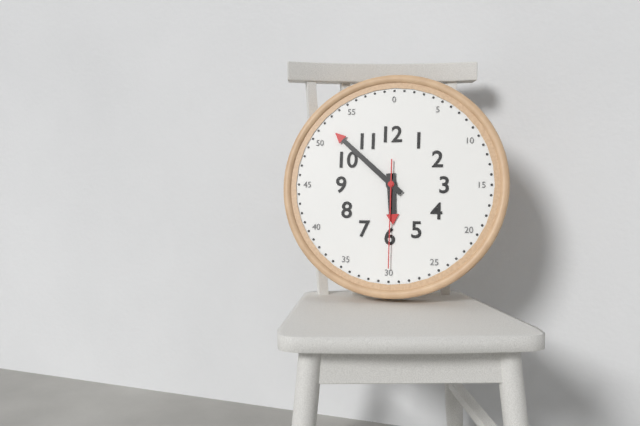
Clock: 5:52:30
